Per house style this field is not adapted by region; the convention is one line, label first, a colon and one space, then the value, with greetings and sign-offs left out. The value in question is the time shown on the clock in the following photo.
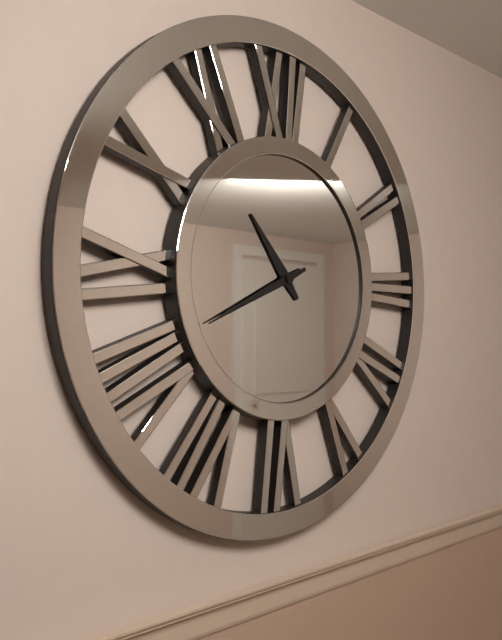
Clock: 10:41
